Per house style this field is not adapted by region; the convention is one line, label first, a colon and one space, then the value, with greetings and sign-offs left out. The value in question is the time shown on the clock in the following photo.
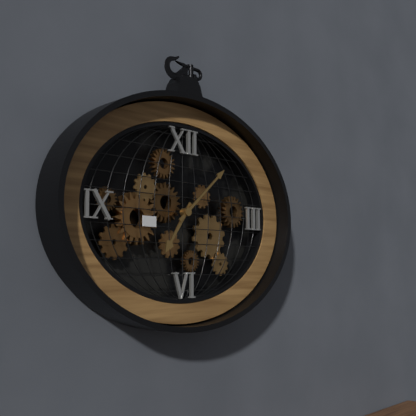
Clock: 7:08
